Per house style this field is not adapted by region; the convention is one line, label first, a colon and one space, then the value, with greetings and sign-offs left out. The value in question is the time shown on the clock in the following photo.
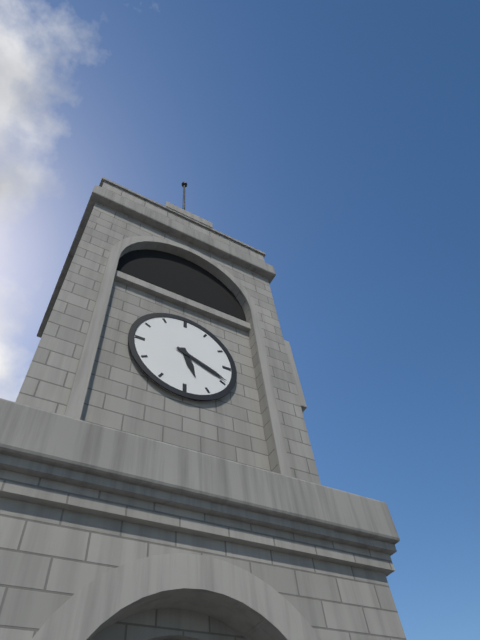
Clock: 5:19
